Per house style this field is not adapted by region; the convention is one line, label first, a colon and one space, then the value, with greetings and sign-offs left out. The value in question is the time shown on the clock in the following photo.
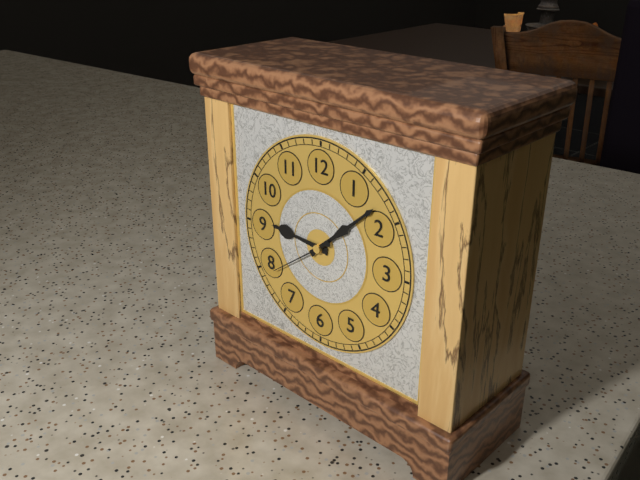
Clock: 9:08:39
